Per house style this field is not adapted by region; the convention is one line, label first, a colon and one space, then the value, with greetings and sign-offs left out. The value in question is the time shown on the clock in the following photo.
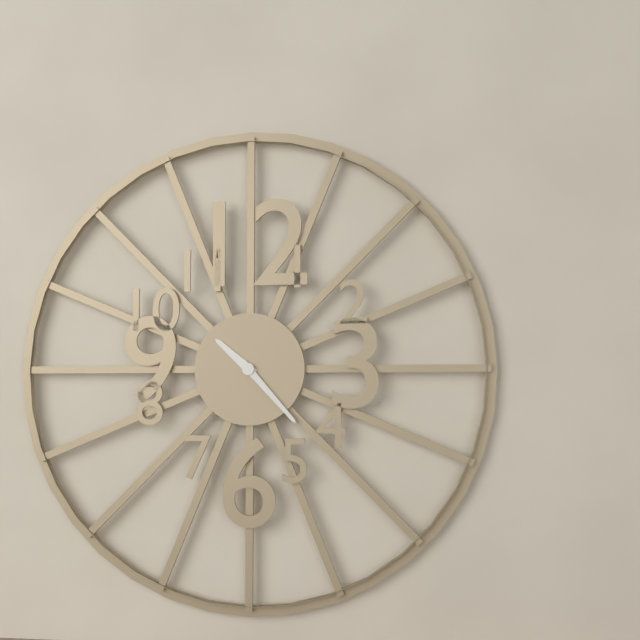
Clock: 10:23
